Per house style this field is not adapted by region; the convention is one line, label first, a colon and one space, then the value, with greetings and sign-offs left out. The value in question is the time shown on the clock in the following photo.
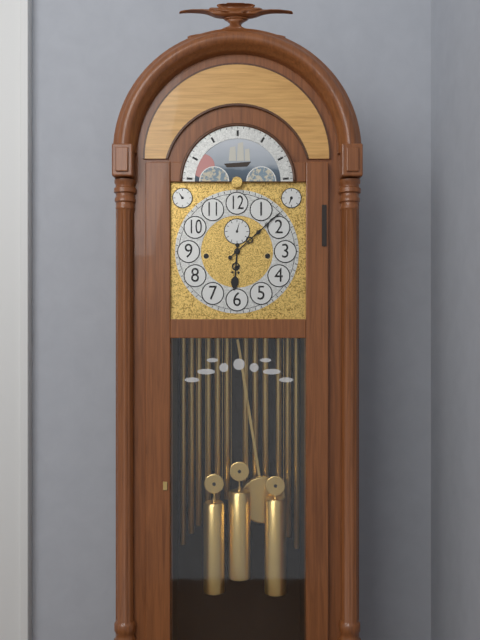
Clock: 6:08
